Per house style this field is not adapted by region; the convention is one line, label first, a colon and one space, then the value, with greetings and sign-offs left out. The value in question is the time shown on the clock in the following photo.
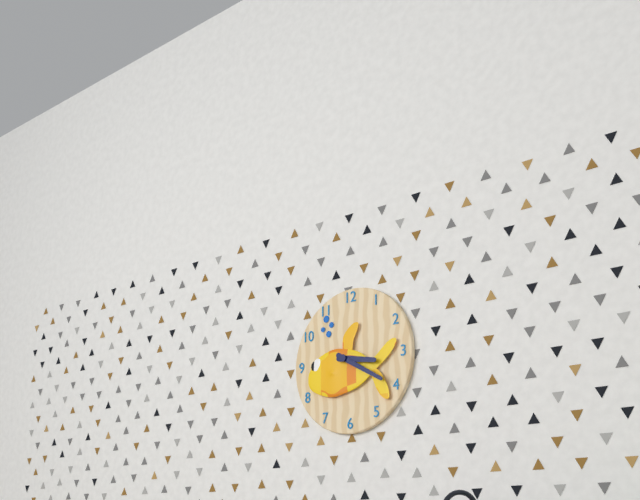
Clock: 3:20
